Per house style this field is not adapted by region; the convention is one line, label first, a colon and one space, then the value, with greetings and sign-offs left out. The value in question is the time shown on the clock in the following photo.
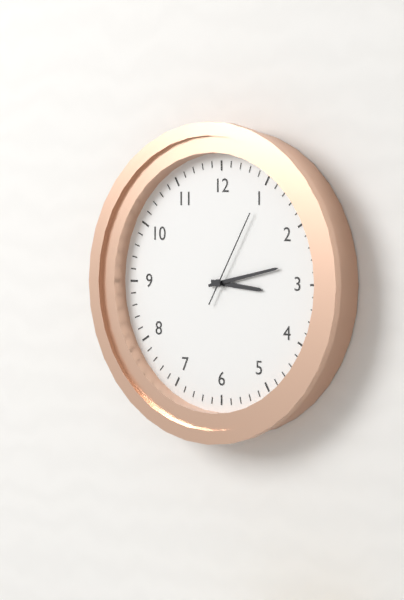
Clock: 3:13:05
